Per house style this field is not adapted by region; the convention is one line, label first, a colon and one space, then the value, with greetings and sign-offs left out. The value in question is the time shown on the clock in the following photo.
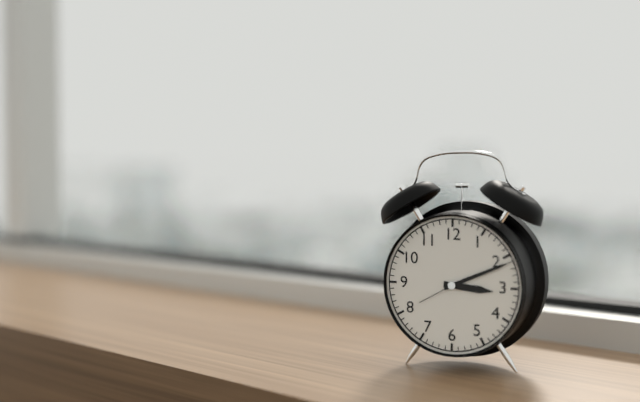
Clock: 3:11:40
